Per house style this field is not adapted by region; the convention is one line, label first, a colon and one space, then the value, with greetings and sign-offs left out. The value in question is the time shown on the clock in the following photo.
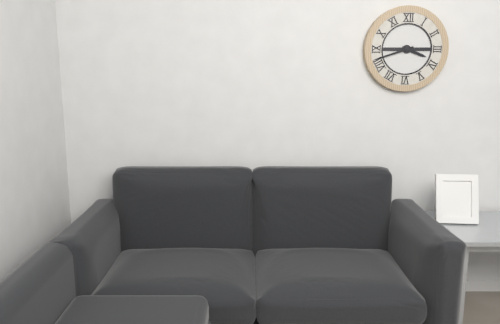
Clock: 3:42
